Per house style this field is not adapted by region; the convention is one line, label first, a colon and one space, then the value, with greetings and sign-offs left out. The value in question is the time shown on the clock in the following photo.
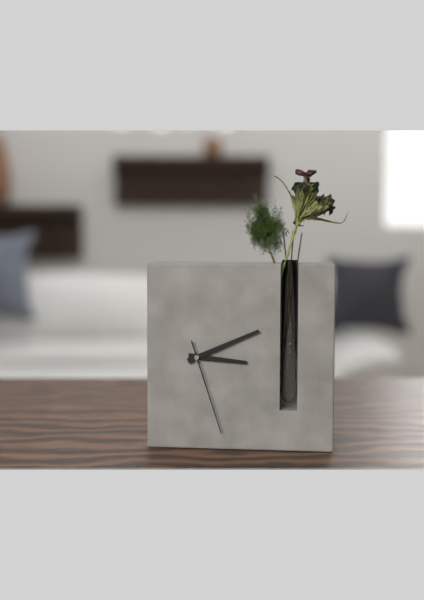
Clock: 3:11:27
